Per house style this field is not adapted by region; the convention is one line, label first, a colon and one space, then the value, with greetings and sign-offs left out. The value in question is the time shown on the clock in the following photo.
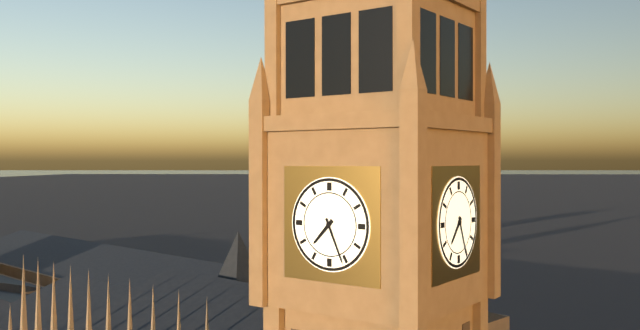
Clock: 7:26
